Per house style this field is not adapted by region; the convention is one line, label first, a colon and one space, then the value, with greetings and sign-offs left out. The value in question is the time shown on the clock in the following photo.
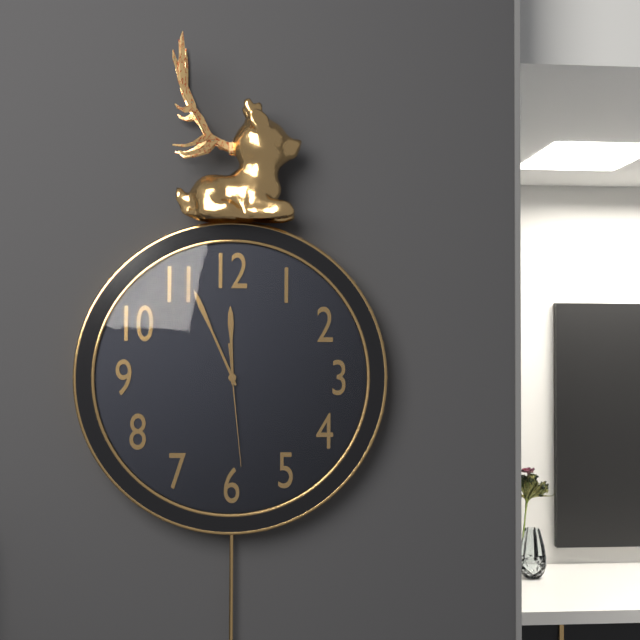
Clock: 11:56:29
